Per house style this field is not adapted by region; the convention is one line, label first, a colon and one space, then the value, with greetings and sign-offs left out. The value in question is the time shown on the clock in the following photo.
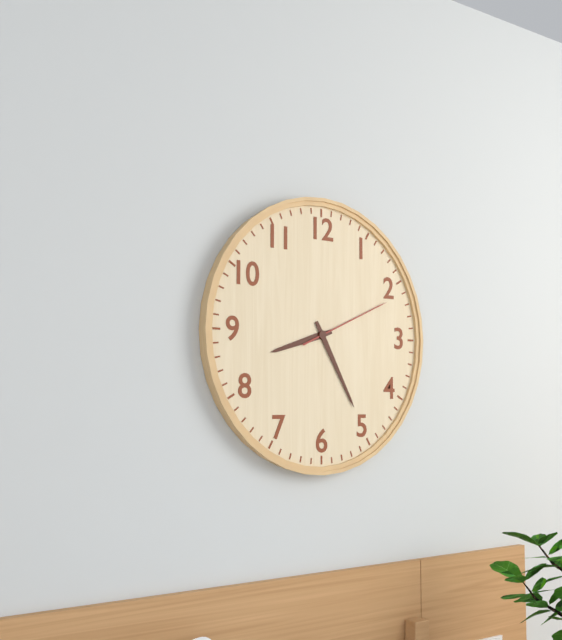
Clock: 8:25:11
